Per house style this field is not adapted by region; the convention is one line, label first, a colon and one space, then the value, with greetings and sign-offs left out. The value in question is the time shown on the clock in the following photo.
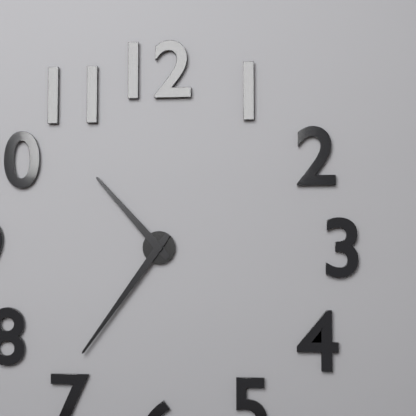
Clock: 10:36
